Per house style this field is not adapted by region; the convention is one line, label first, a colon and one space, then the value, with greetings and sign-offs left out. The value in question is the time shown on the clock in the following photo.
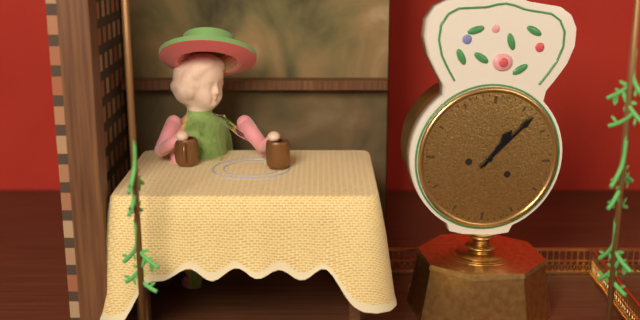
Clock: 1:07
